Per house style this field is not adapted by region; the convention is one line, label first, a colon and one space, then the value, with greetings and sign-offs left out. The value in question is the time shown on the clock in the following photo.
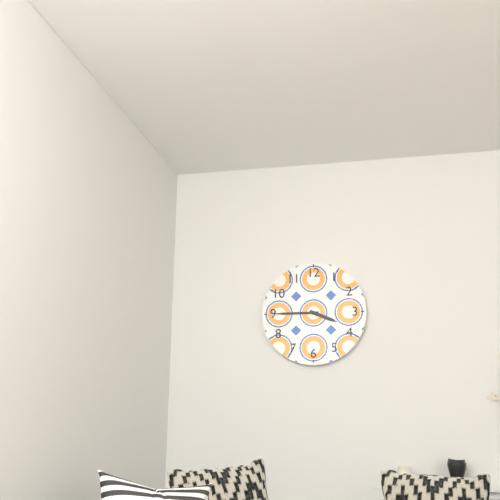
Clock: 3:45
